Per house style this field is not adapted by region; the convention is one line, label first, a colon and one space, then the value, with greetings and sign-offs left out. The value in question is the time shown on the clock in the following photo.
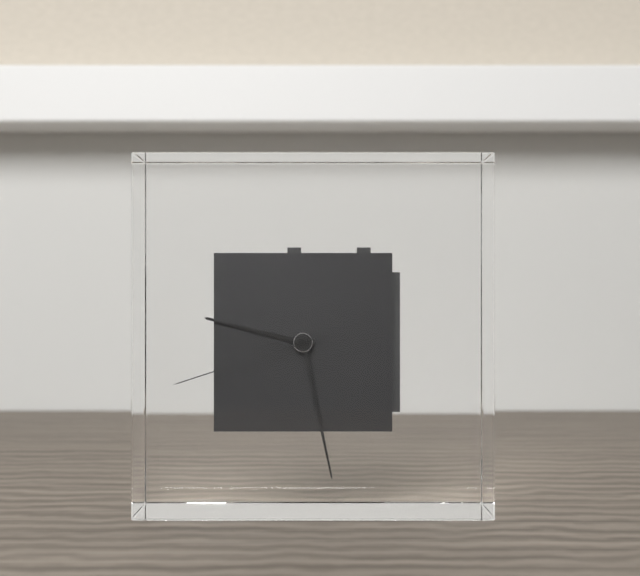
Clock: 9:28:42
